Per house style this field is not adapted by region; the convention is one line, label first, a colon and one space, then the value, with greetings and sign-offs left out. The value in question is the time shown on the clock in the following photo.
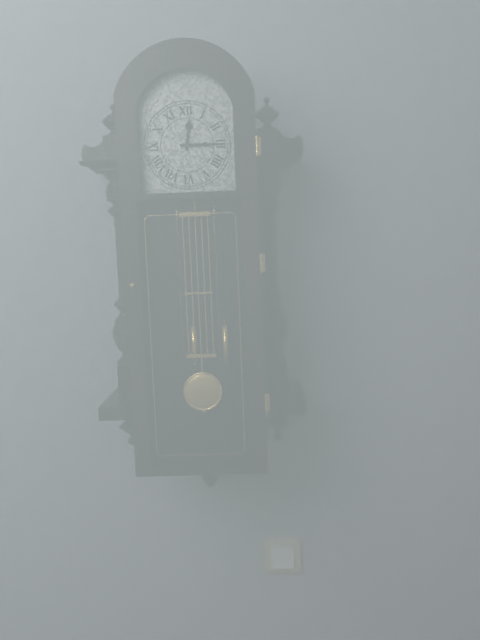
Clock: 12:15
